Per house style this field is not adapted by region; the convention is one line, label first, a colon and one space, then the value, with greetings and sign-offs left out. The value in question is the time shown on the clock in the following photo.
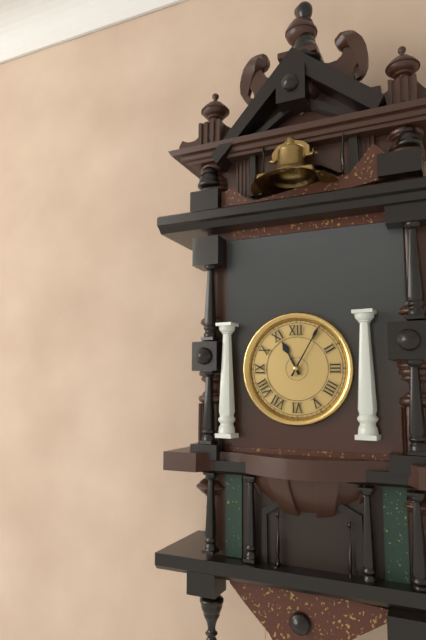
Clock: 11:05
